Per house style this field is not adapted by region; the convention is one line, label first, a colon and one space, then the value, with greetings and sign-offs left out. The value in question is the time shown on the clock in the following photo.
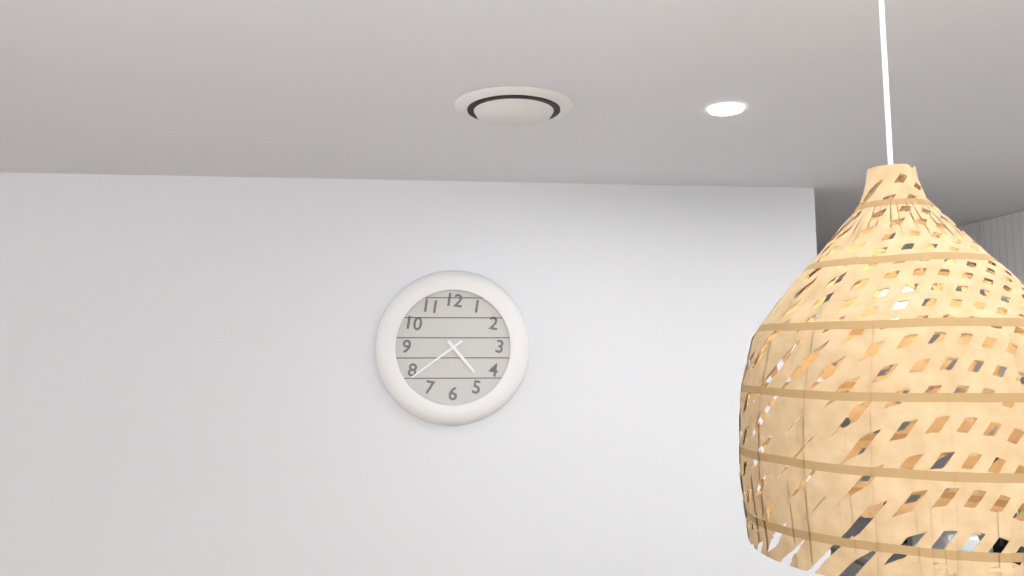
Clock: 4:39
